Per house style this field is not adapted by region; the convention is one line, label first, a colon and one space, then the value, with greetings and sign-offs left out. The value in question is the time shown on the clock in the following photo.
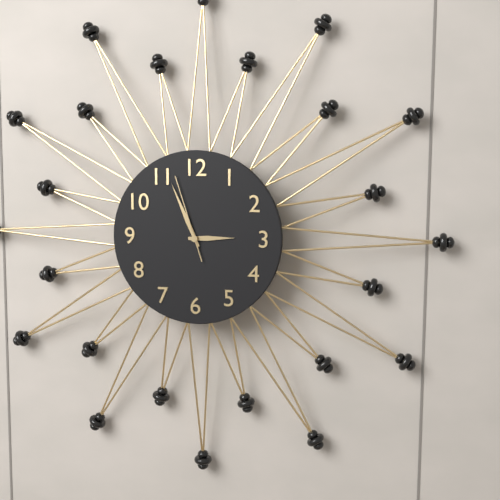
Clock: 2:56:57
